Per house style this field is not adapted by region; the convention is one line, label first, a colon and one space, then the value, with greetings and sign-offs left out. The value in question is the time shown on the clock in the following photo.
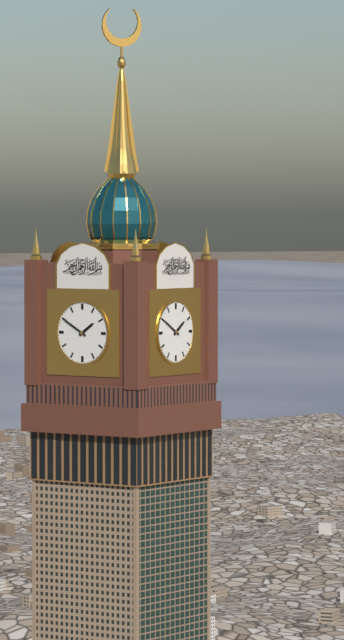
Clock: 1:50
